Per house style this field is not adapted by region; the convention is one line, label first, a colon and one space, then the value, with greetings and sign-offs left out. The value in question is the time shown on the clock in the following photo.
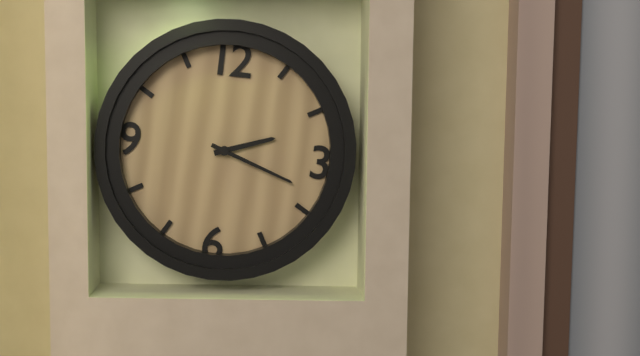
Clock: 2:18
